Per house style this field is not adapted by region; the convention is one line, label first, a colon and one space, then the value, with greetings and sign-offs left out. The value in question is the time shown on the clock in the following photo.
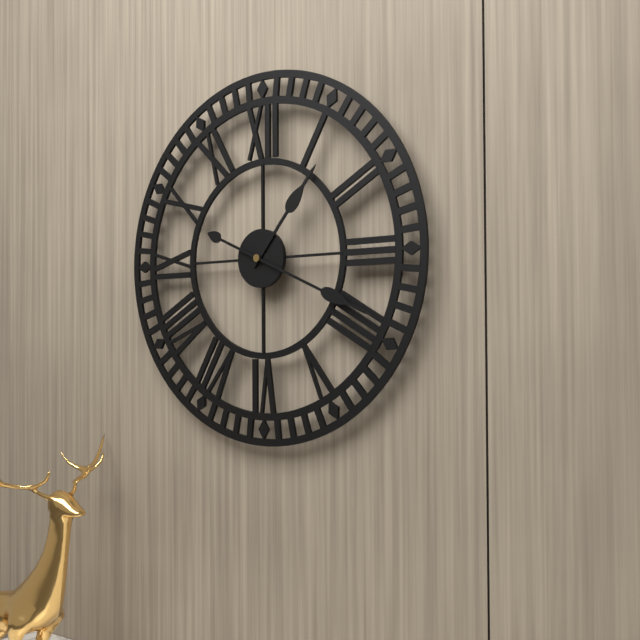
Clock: 1:19
